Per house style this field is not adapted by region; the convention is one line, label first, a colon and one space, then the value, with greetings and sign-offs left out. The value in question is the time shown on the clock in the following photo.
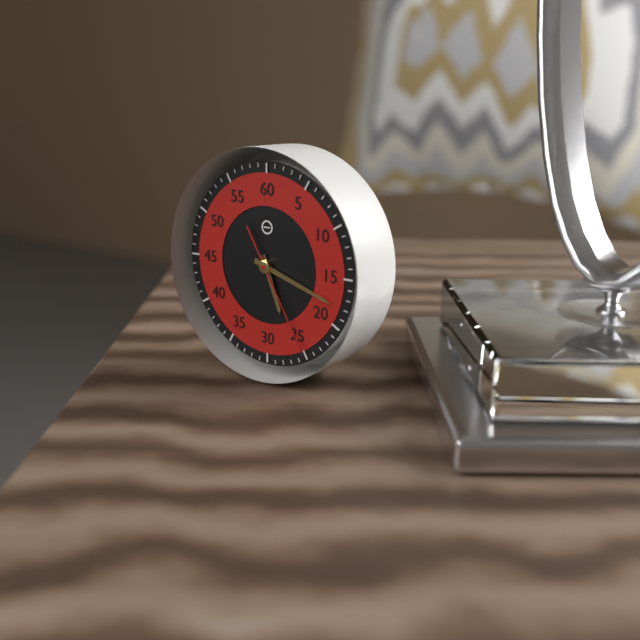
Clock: 5:18:25
